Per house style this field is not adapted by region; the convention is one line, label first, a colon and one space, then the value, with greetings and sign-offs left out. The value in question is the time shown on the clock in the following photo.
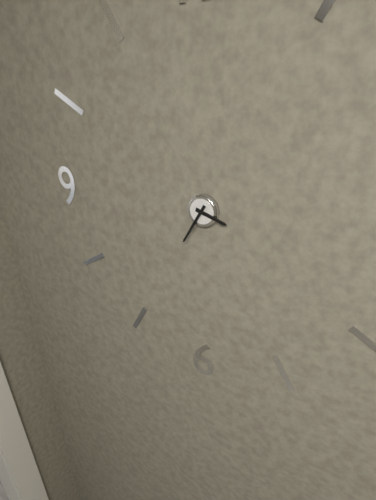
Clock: 3:35
